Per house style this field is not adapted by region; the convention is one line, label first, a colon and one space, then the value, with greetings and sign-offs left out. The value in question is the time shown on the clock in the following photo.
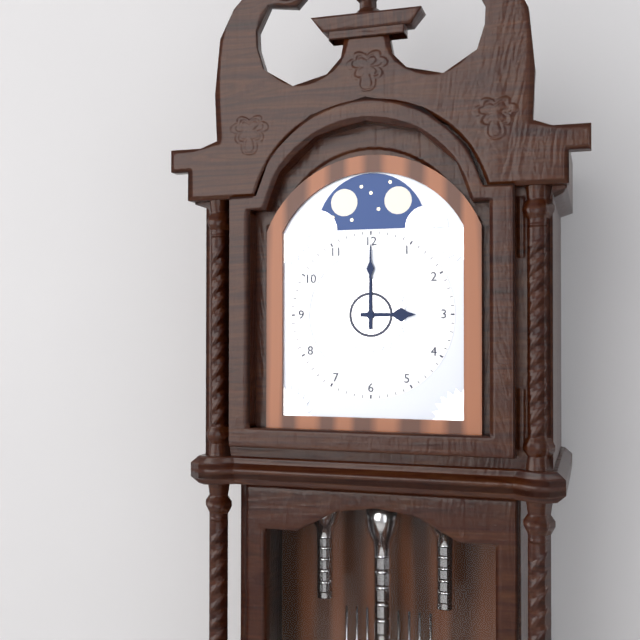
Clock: 3:00
